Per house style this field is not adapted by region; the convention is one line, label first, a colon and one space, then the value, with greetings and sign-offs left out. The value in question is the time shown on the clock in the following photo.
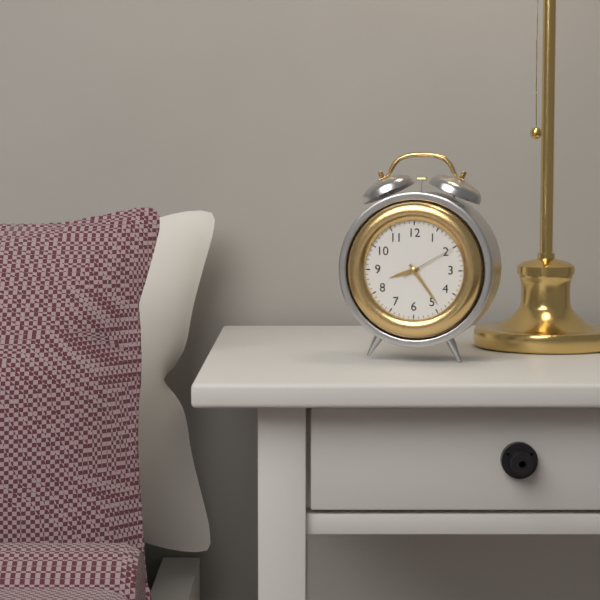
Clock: 8:24:10
